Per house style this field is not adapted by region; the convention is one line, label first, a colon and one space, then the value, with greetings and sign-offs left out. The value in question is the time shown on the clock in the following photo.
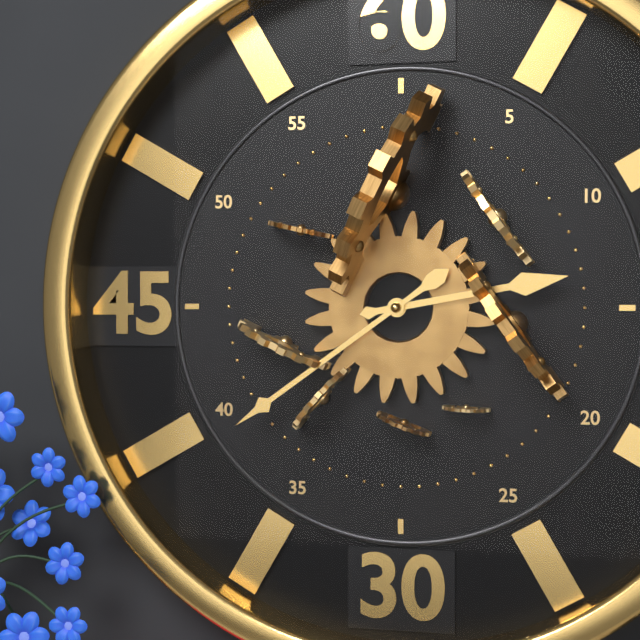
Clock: 2:39
